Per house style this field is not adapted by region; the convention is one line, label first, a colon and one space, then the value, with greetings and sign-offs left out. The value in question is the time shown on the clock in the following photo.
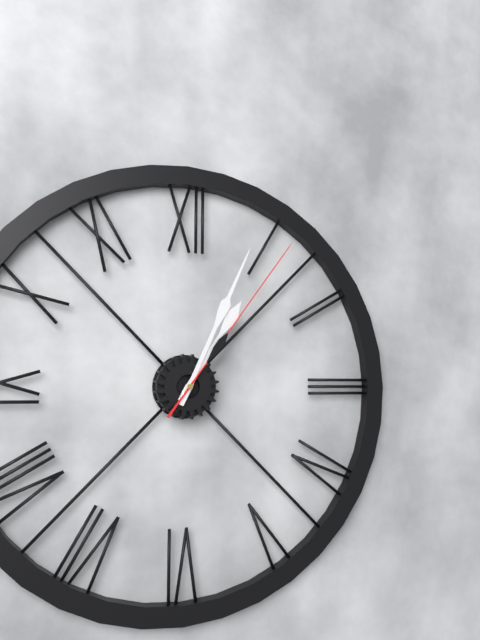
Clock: 1:04:06
